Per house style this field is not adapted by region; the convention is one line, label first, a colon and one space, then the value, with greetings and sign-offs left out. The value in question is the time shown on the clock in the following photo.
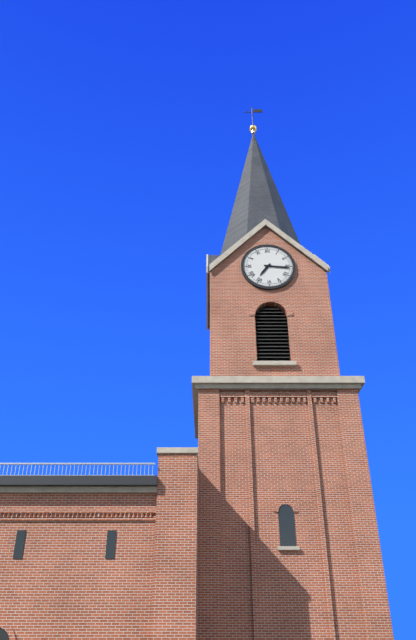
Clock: 7:16
